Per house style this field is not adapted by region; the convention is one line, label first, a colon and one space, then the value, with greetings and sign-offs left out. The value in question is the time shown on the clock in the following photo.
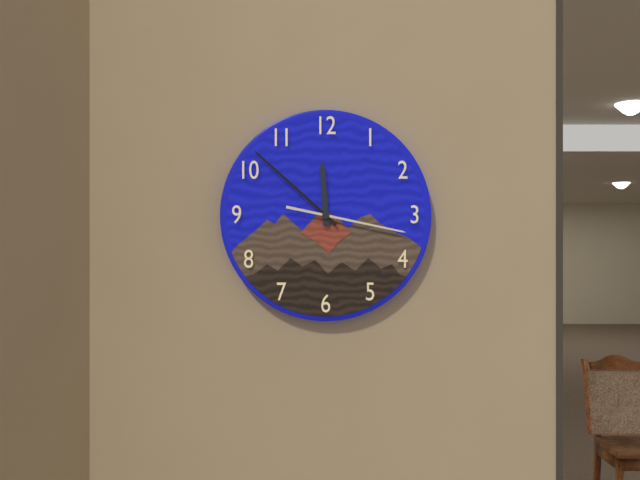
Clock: 11:52:17
